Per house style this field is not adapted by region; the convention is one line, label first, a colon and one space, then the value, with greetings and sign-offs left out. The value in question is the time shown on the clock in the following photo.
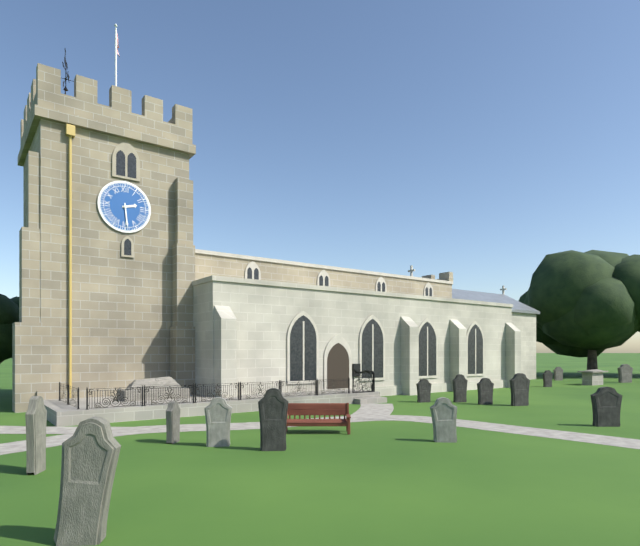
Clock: 2:29
